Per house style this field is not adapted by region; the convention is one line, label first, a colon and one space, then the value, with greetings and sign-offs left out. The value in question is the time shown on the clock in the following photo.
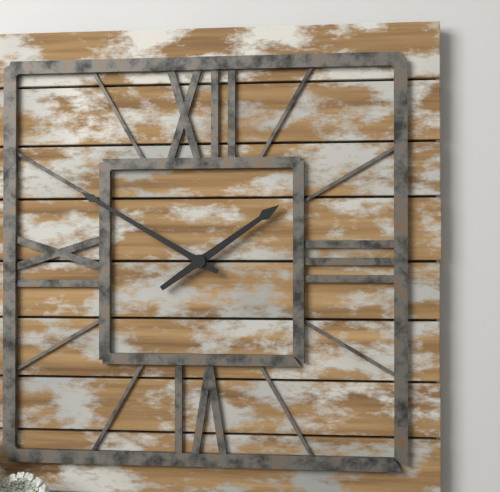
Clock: 1:50
